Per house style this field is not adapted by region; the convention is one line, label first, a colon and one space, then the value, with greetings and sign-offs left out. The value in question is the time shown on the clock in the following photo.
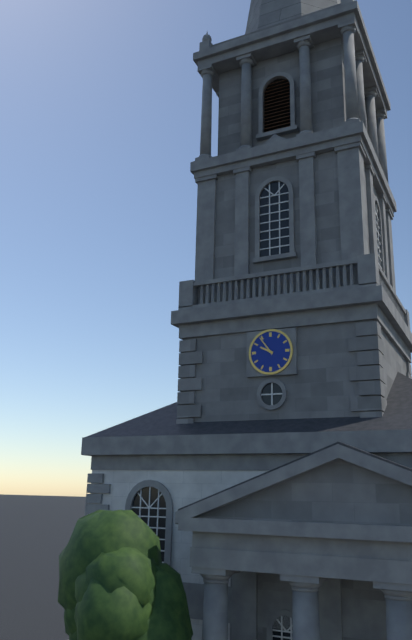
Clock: 9:54
